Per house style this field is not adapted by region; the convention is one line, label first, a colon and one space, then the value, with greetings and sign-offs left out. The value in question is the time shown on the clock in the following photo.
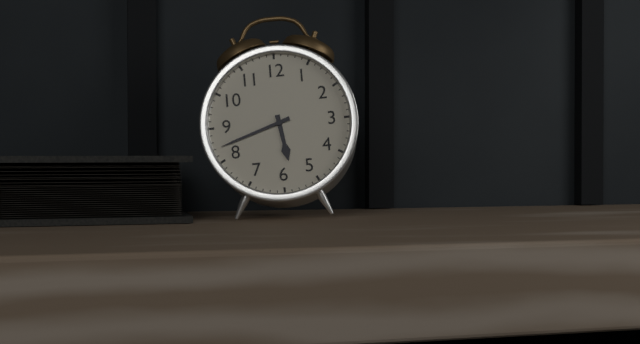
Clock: 5:42
